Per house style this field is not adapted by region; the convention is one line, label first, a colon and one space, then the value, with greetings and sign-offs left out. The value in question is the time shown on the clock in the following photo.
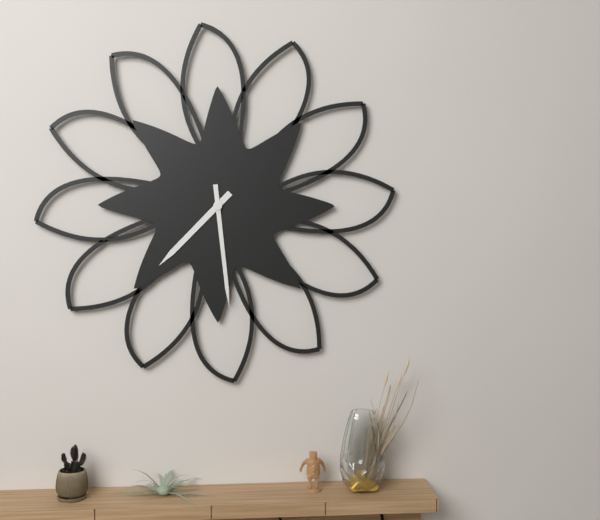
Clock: 7:29
